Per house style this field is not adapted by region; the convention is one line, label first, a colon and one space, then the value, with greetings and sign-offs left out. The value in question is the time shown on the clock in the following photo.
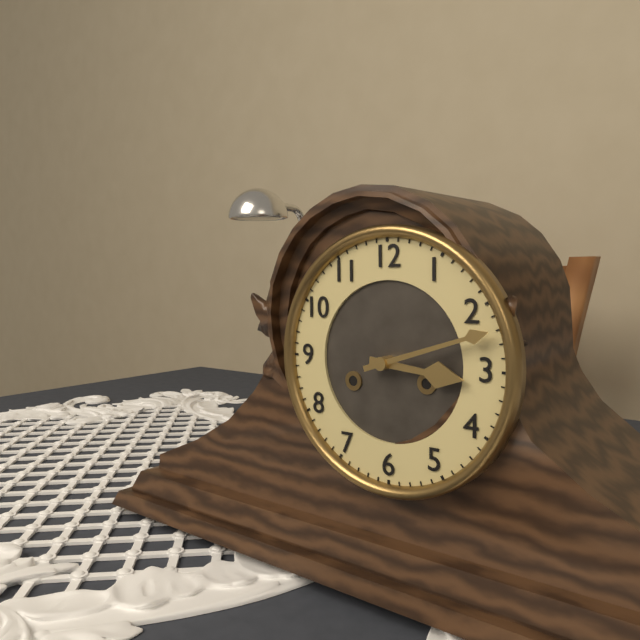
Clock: 3:12
